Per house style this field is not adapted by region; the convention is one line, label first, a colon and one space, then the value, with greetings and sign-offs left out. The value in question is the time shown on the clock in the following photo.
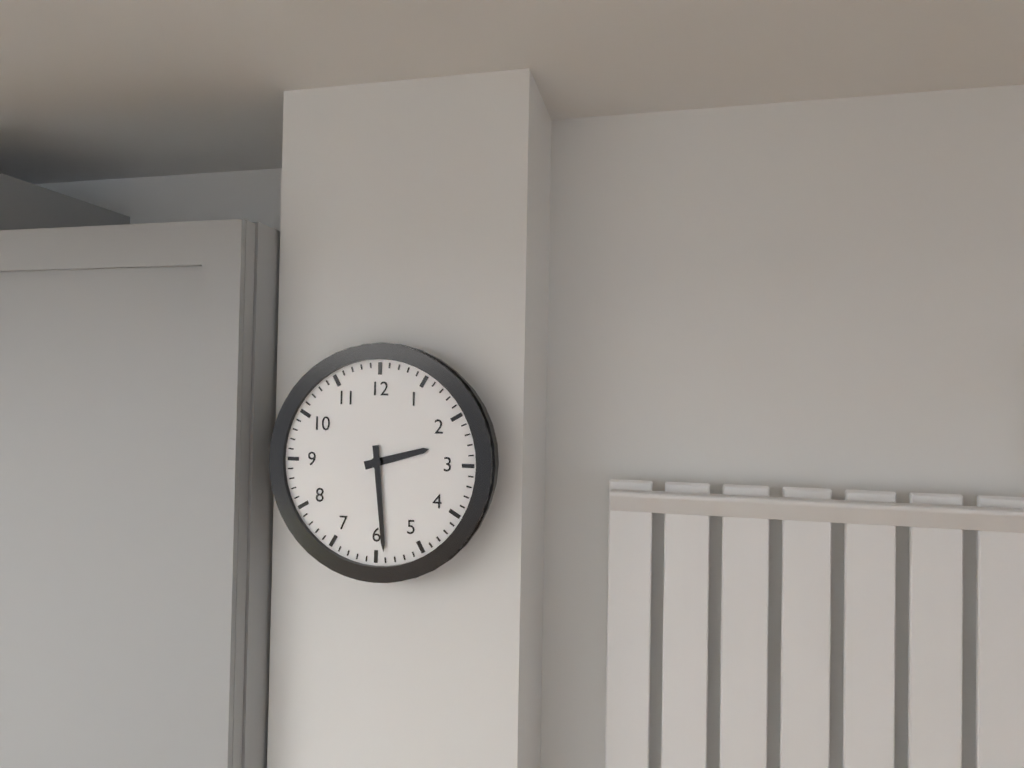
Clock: 2:29
